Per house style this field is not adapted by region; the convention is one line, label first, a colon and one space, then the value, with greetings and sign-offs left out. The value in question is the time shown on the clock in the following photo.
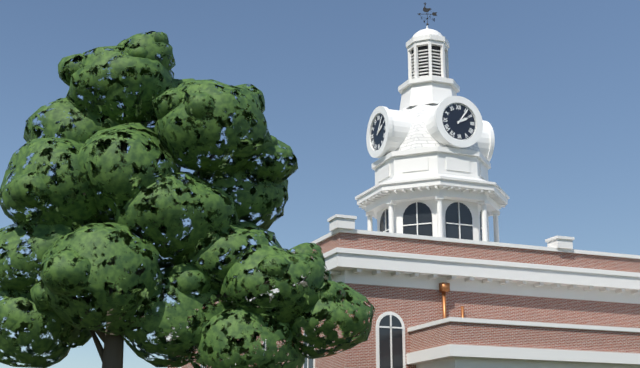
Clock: 2:06
